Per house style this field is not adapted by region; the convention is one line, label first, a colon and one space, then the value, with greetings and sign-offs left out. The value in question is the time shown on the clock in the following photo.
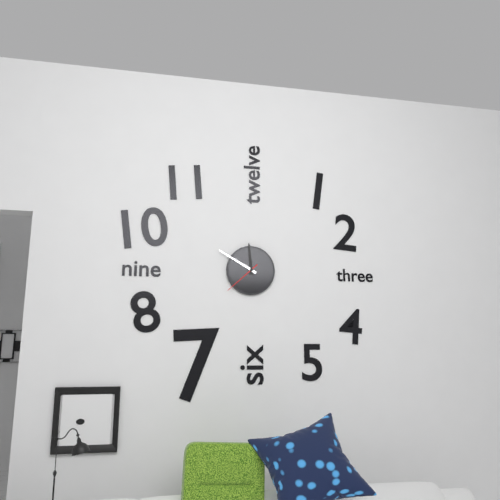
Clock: 11:50
